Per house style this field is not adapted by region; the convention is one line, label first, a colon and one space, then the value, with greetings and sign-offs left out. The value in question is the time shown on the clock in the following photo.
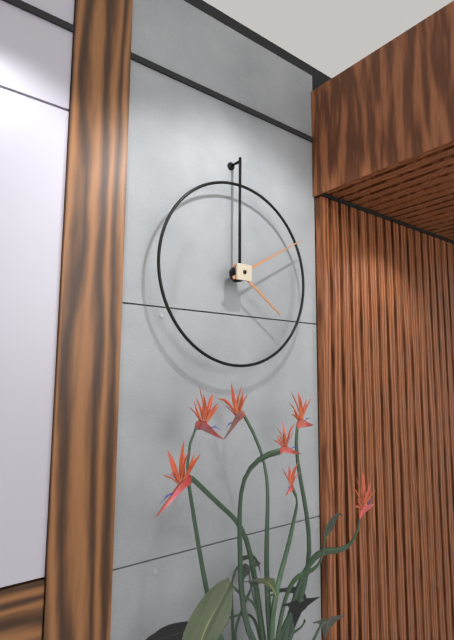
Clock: 4:10
